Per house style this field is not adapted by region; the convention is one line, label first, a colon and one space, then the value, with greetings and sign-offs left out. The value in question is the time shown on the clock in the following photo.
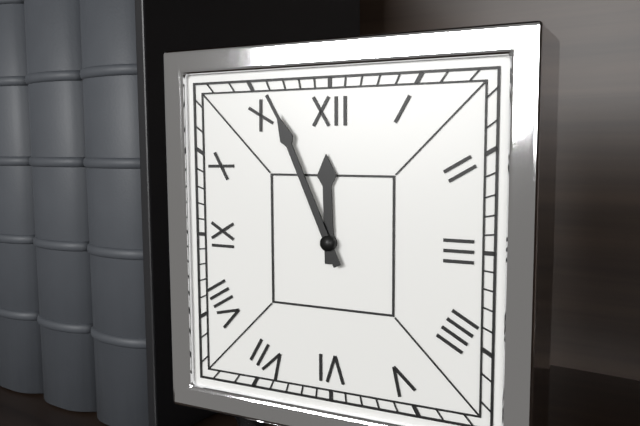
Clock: 11:56
